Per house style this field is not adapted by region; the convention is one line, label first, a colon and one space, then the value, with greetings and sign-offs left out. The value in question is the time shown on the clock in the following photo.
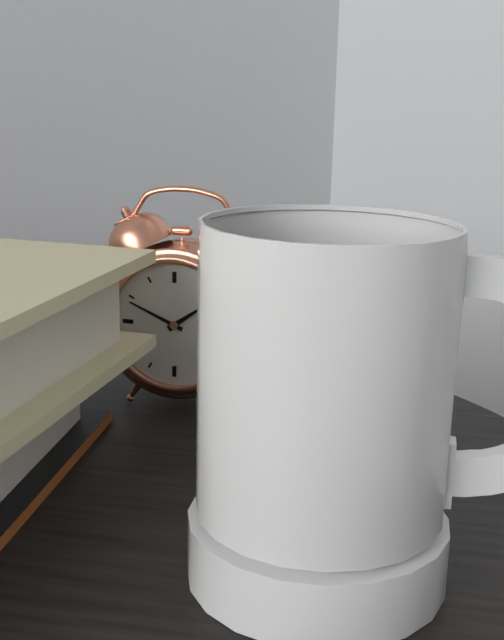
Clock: 1:49
